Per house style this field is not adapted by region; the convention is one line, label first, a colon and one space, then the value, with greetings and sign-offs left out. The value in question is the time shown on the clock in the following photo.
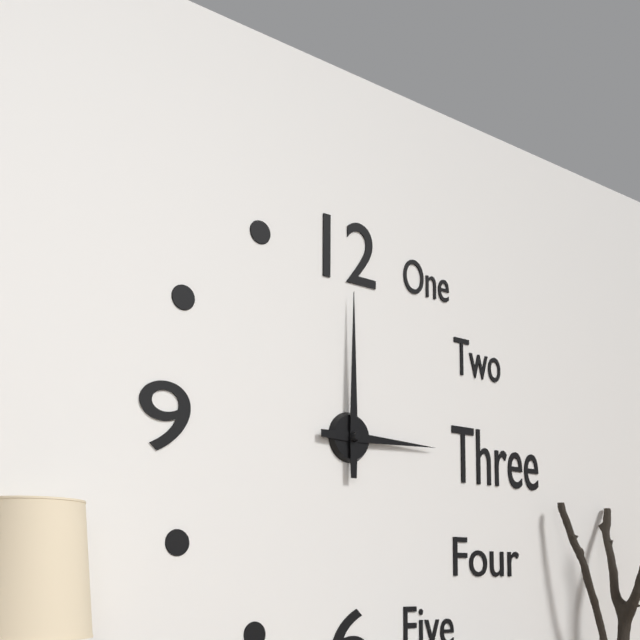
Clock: 3:00
